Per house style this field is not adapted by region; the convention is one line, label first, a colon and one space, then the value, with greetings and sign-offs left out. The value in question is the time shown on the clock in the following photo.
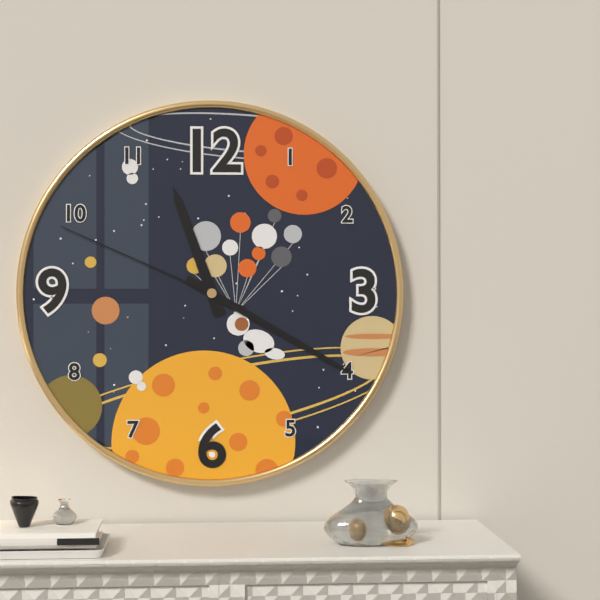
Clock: 11:20:49
